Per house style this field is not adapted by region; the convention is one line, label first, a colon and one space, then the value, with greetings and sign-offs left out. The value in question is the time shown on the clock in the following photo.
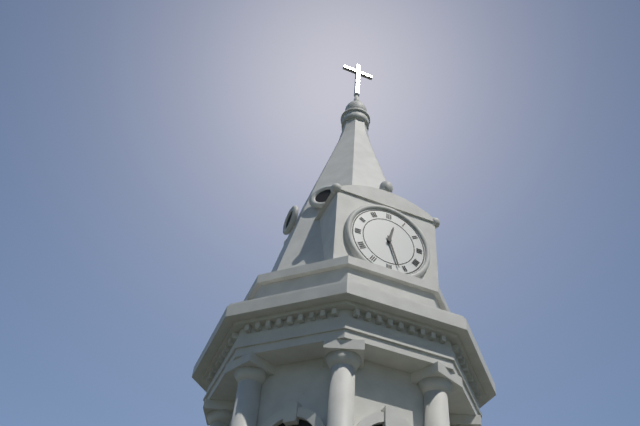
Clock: 12:27
